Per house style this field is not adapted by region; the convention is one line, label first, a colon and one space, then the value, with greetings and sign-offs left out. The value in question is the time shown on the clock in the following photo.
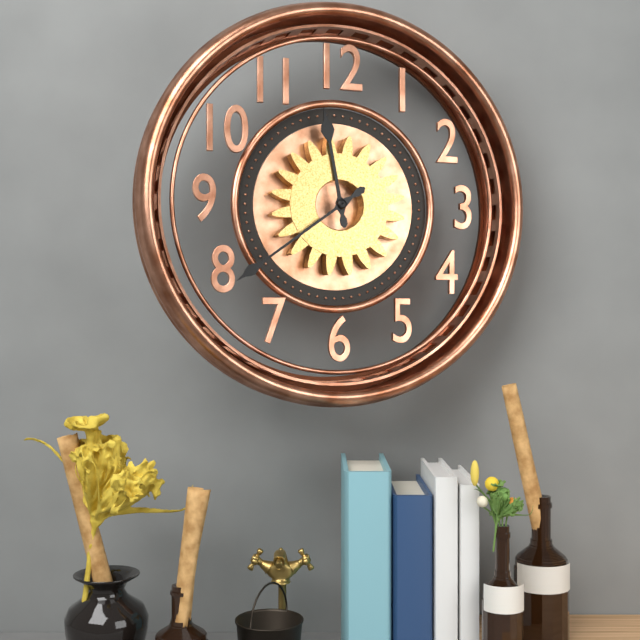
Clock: 11:39
